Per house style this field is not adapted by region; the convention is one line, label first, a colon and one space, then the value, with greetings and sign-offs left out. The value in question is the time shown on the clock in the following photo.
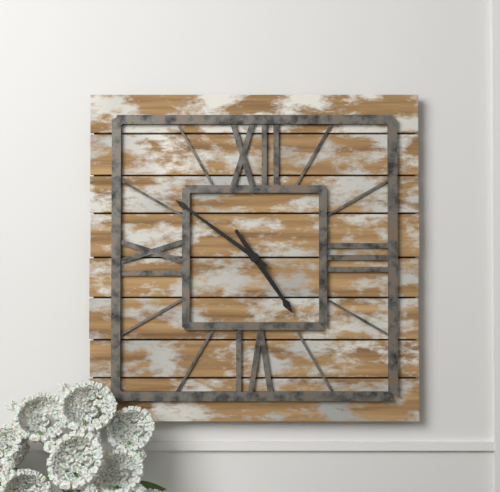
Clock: 4:51
